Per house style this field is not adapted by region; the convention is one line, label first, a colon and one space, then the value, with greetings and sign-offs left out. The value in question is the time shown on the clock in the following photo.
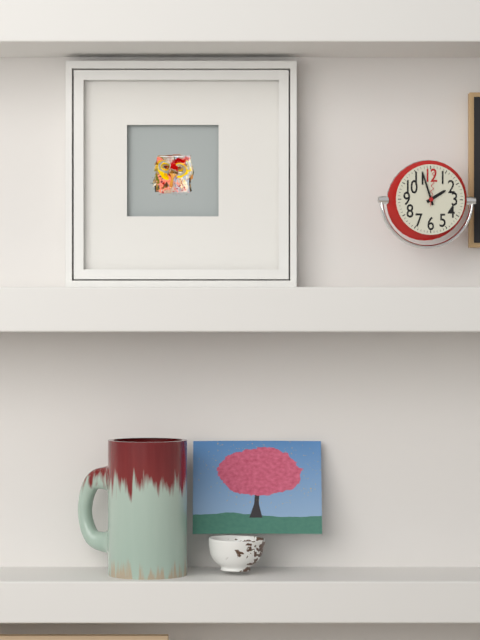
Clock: 1:57
